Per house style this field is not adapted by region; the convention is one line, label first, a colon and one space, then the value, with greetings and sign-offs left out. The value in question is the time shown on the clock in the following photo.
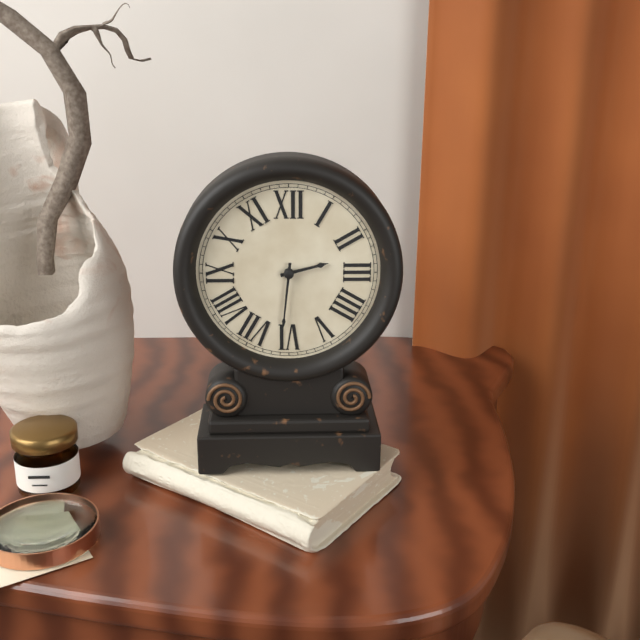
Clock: 2:31
